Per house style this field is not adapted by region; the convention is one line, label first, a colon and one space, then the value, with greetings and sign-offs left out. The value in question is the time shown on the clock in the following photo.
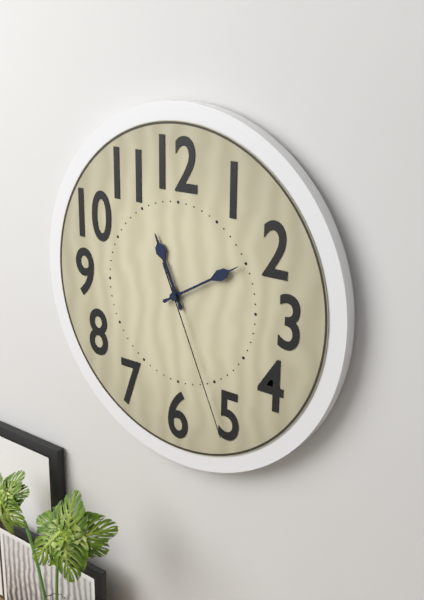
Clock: 11:10:26
